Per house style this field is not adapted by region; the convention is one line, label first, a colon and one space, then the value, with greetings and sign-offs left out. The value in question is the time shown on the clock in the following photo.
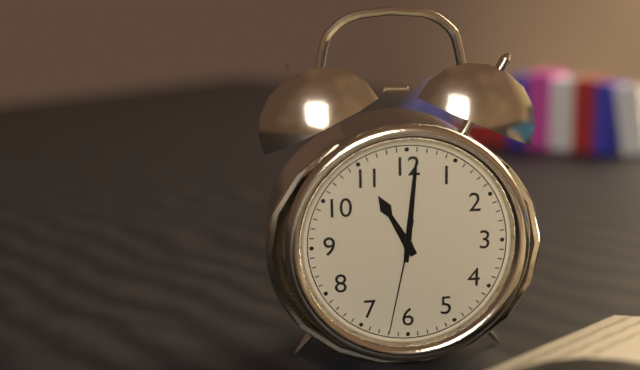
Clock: 11:01:32
